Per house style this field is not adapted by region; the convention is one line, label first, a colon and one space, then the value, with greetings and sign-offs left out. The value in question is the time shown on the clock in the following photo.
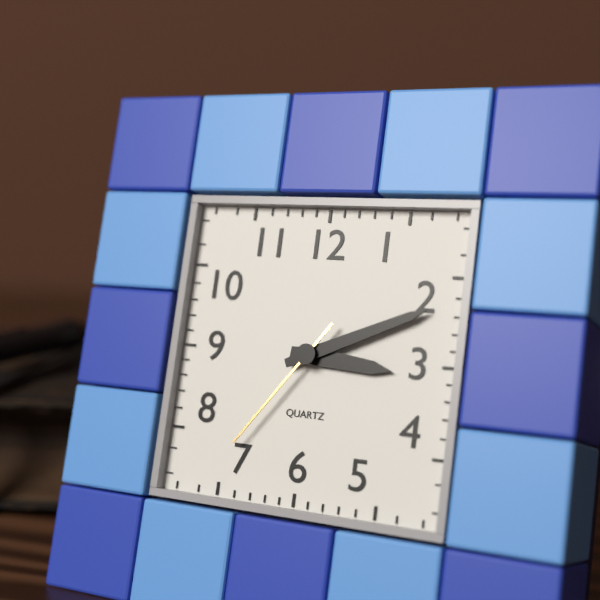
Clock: 3:11:36
